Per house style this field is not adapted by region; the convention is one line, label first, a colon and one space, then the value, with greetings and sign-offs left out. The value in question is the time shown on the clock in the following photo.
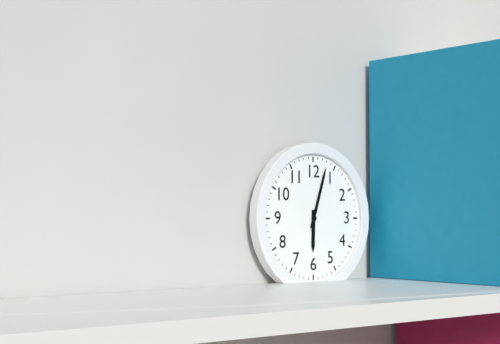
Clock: 6:03
